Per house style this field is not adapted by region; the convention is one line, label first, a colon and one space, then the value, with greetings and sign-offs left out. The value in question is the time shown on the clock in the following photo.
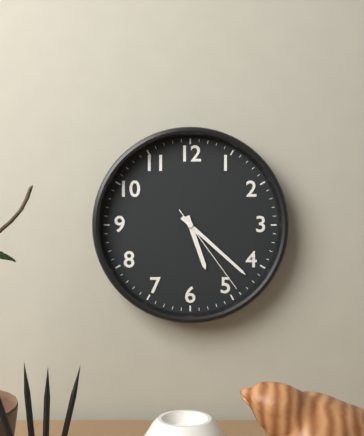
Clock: 5:22:24
